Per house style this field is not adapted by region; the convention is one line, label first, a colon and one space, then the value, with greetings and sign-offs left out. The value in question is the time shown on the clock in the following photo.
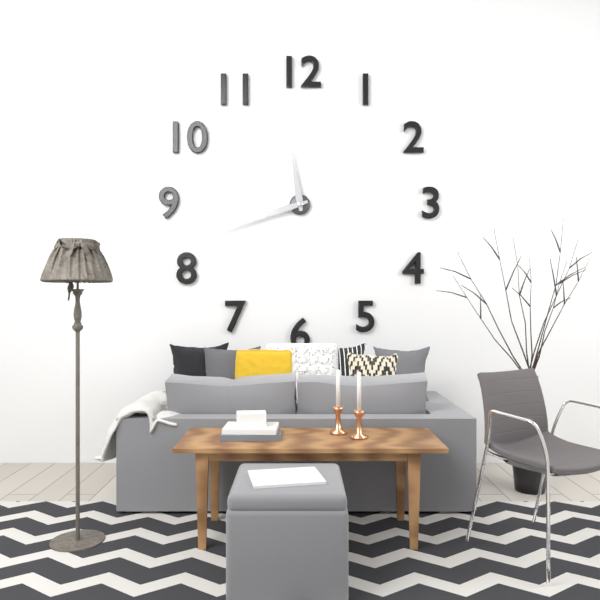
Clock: 11:42
